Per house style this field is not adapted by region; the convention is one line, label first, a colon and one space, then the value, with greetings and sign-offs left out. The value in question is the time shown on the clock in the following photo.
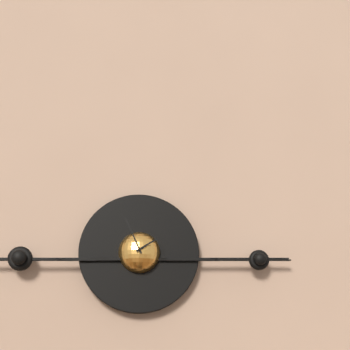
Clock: 1:56
